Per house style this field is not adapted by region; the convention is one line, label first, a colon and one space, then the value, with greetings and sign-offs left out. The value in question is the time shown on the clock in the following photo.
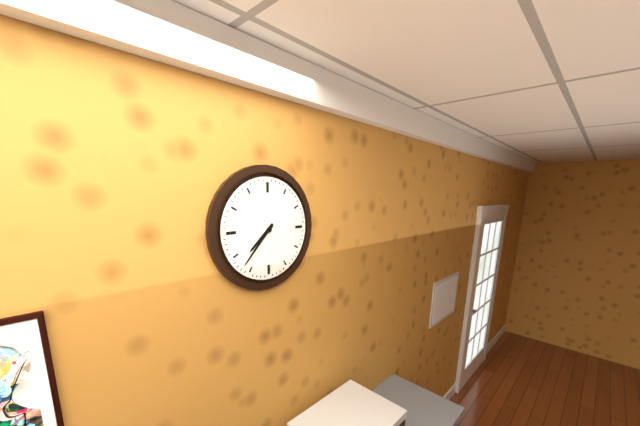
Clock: 7:37
